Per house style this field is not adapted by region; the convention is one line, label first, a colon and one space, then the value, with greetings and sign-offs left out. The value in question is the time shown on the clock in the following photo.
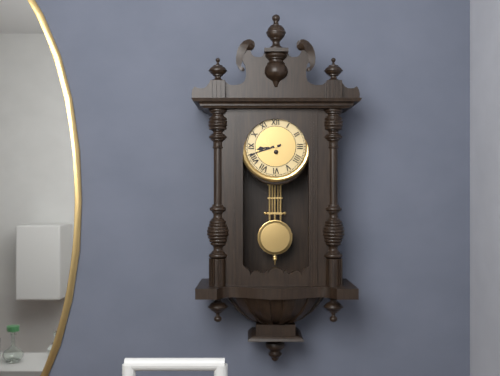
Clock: 8:42
